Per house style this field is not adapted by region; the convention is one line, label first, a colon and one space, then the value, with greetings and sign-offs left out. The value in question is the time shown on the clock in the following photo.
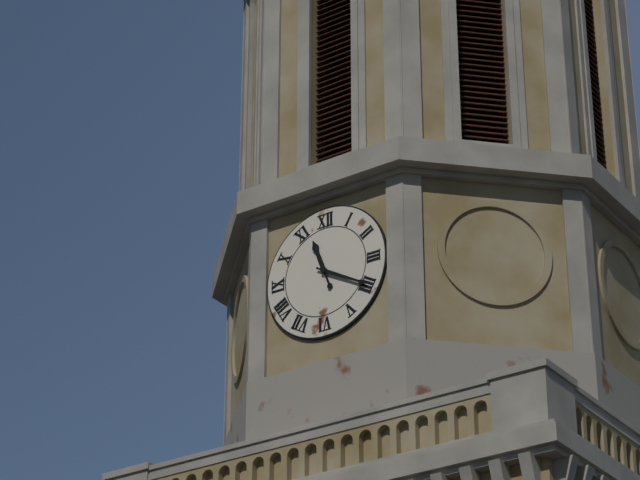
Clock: 11:20
